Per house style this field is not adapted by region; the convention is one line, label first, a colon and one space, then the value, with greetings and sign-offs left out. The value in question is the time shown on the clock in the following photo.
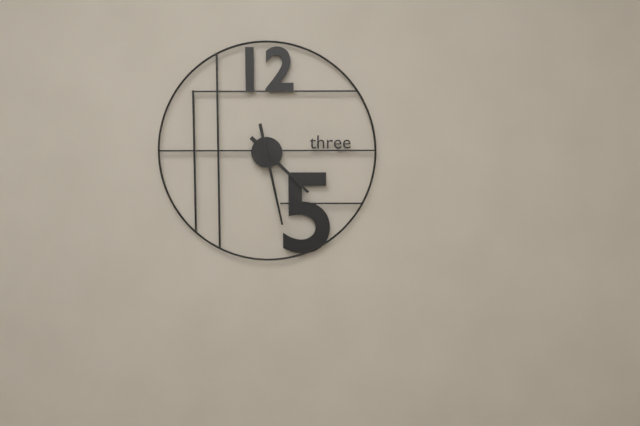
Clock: 4:28
